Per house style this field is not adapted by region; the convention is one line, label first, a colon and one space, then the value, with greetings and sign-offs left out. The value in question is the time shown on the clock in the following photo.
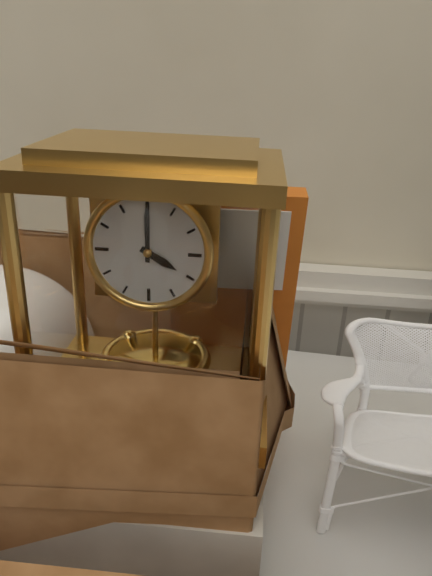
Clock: 4:00
